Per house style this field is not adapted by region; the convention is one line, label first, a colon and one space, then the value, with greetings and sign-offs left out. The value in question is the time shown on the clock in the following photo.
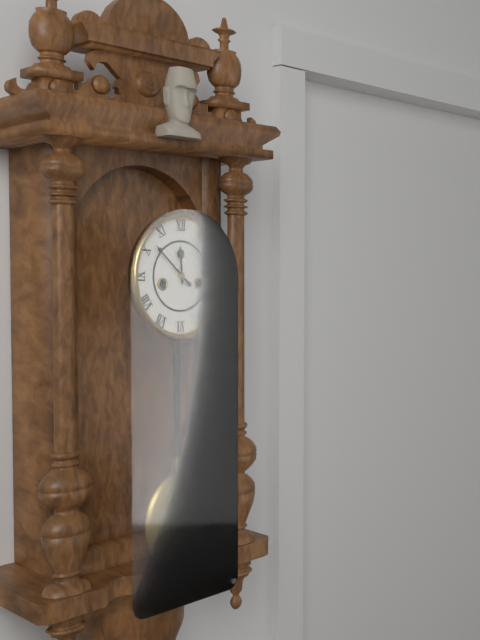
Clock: 11:52
